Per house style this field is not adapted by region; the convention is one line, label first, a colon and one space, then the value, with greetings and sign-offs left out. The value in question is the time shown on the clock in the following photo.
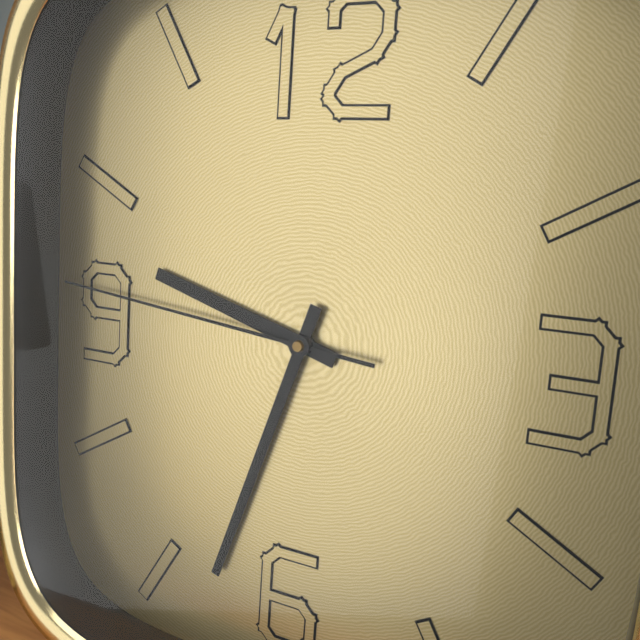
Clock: 9:33:46
